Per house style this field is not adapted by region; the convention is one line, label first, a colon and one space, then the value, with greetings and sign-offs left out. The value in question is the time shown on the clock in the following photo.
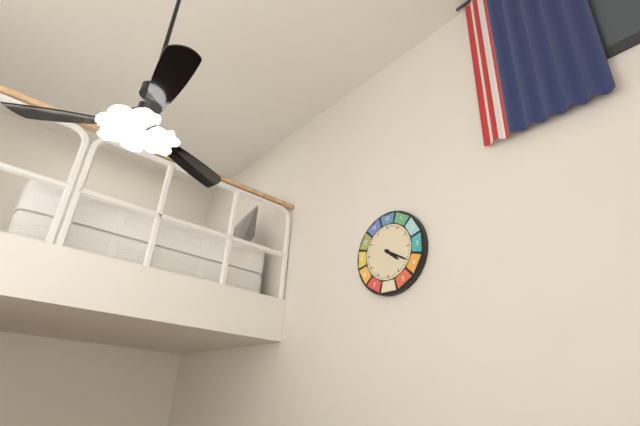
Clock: 4:20
